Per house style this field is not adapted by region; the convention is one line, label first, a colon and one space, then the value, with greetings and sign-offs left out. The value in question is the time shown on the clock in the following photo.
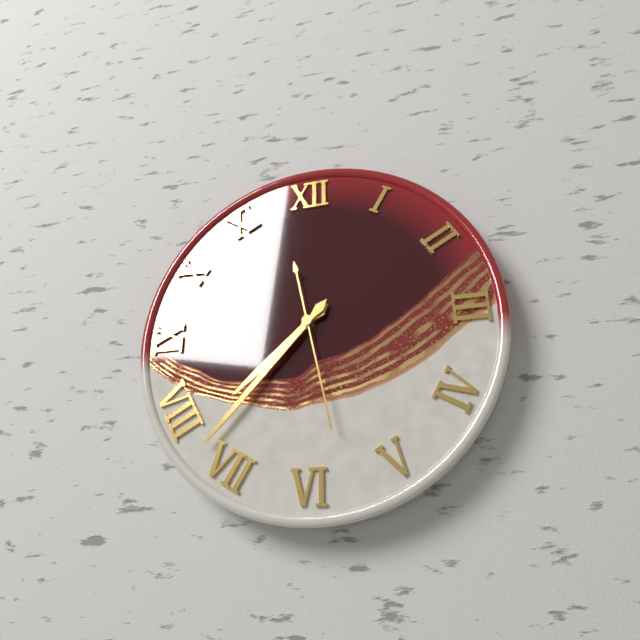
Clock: 7:37:28
